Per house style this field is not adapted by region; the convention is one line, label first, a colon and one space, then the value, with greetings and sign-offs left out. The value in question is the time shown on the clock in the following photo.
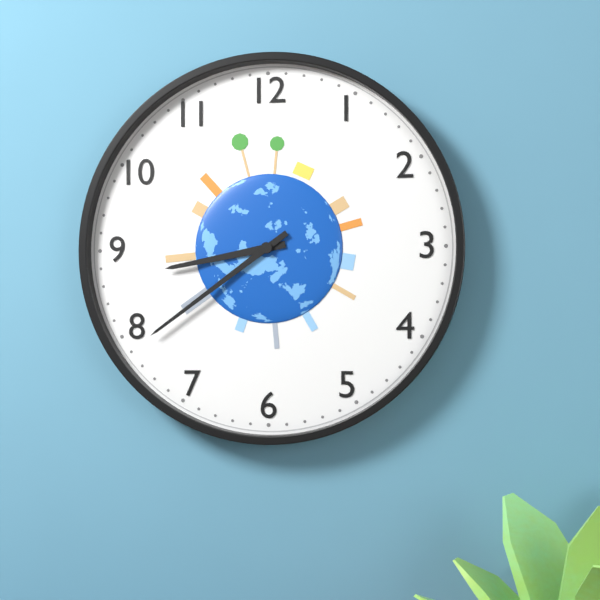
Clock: 8:39
